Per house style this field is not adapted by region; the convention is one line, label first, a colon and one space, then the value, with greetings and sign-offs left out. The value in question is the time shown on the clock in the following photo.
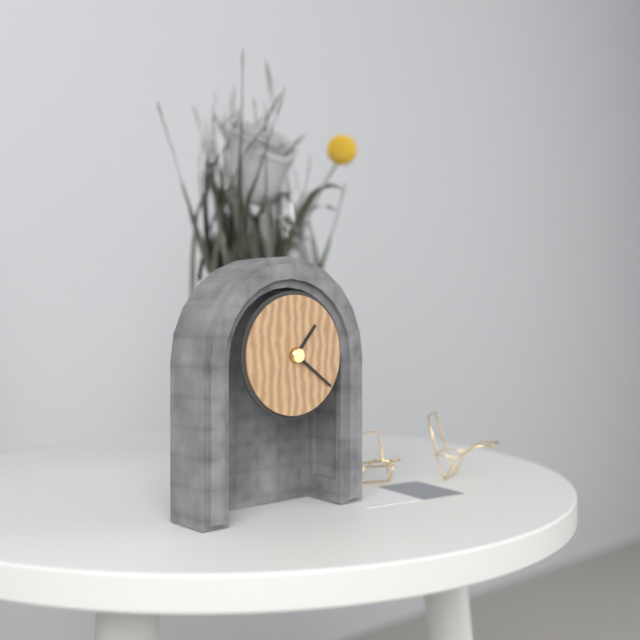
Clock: 1:21
